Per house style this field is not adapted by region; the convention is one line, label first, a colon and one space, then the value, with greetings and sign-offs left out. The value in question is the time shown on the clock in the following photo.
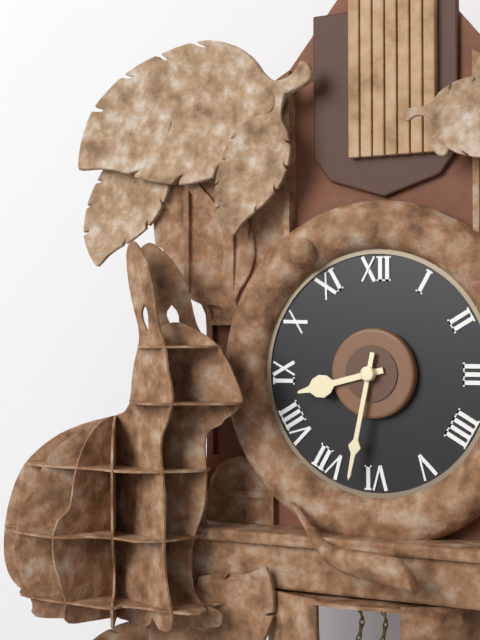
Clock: 8:32
